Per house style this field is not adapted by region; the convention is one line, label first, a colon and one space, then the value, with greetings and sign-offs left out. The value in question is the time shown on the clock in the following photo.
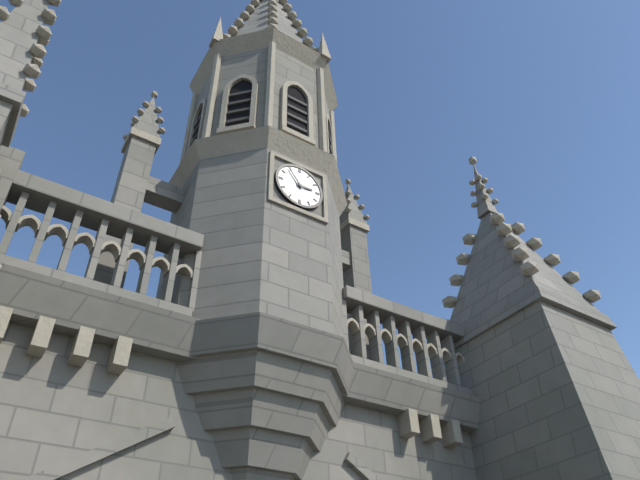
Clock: 2:54
